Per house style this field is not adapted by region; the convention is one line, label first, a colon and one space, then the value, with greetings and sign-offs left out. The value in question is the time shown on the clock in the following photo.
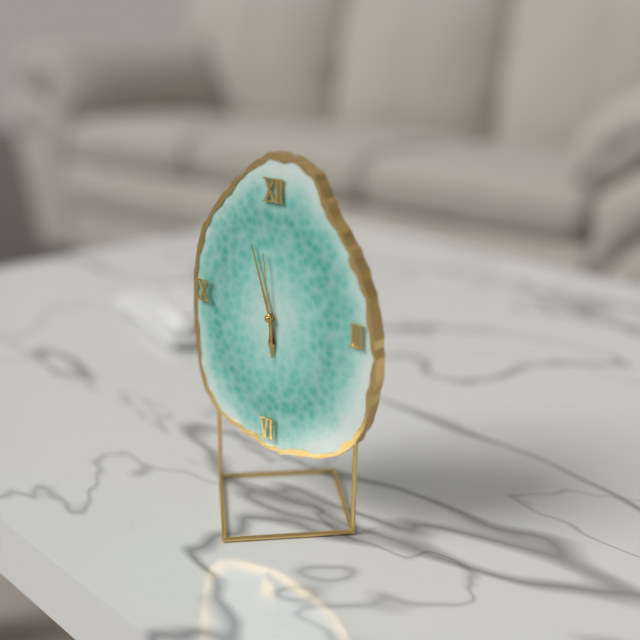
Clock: 5:57:59
